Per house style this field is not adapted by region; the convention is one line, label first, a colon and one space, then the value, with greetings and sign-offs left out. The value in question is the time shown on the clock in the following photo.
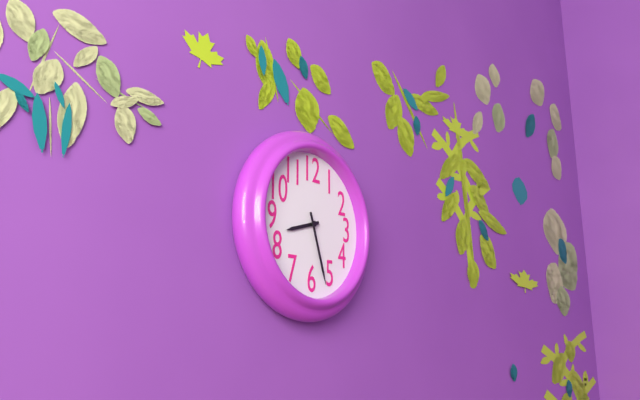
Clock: 8:27
